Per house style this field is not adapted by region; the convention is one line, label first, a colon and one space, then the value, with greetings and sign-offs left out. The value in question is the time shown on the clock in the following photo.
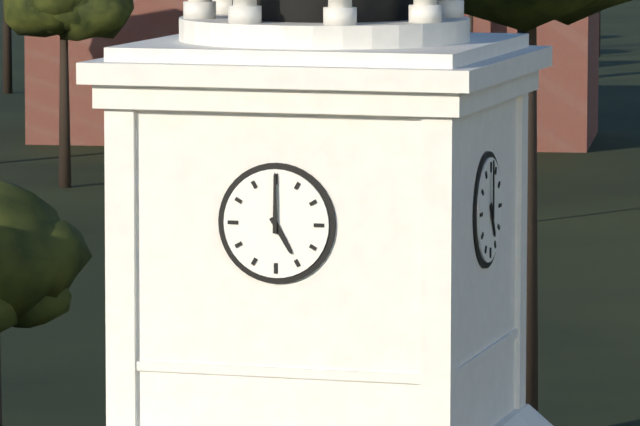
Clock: 5:00
